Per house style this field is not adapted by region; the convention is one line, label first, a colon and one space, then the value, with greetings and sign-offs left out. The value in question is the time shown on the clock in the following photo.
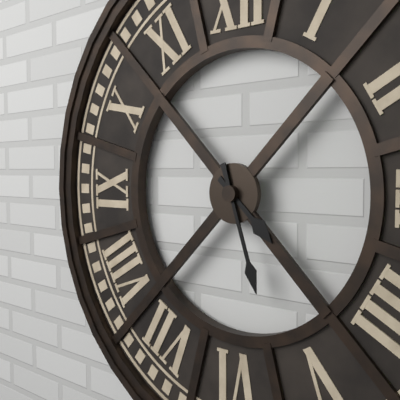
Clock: 4:27
